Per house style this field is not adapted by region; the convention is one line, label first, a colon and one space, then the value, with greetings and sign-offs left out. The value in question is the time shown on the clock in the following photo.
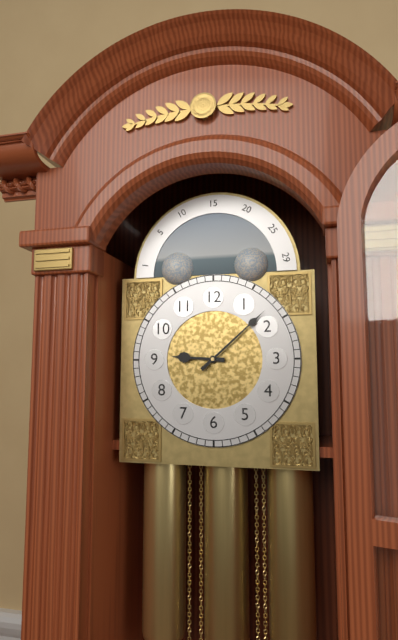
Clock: 9:08
